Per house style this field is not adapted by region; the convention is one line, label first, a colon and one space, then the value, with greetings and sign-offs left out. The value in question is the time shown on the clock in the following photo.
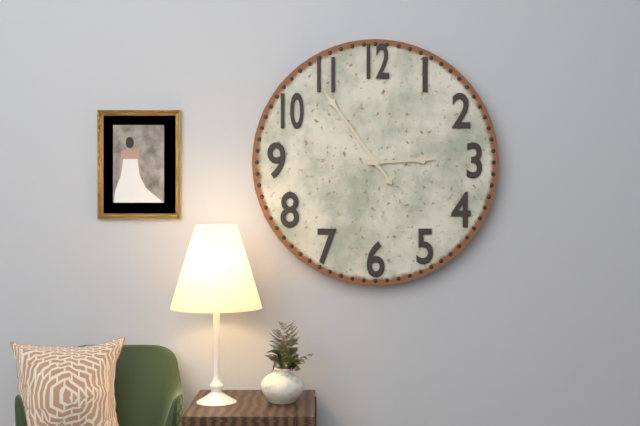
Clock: 2:54
